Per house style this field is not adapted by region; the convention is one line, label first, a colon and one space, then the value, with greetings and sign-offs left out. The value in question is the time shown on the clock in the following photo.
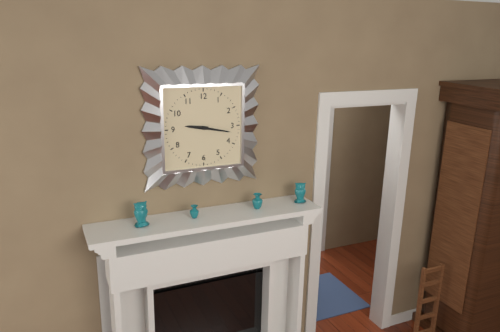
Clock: 9:17
